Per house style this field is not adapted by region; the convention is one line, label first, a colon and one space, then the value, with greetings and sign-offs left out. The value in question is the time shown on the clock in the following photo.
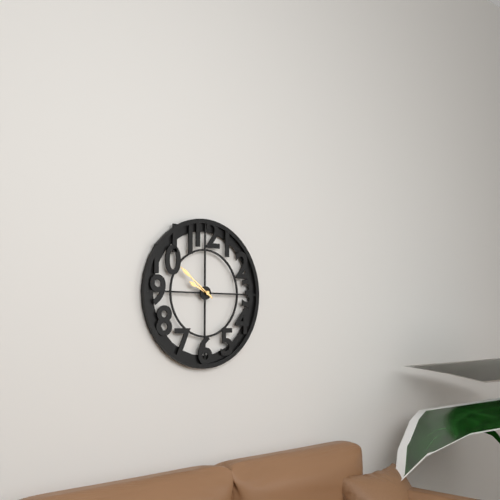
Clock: 9:51
